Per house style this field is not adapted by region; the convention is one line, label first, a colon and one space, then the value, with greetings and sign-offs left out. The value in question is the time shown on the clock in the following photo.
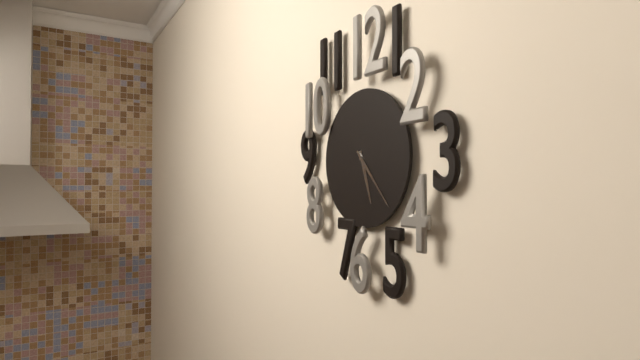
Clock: 5:23
